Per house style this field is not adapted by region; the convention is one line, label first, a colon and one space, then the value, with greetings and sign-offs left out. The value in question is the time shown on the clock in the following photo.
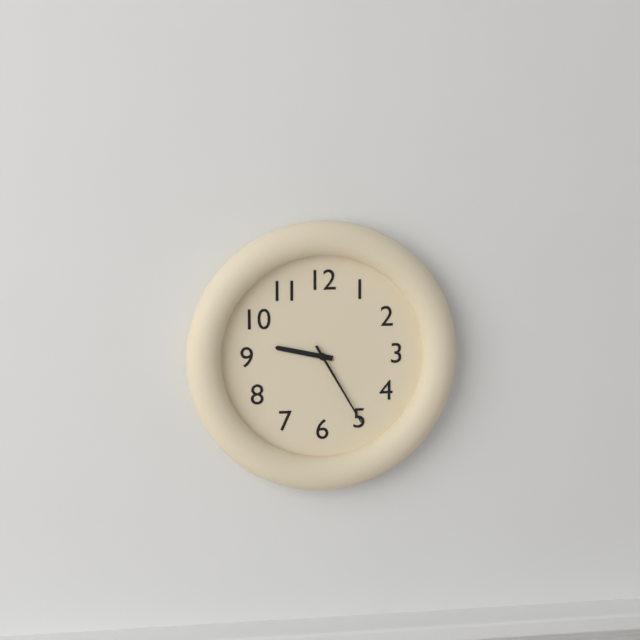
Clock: 9:25
